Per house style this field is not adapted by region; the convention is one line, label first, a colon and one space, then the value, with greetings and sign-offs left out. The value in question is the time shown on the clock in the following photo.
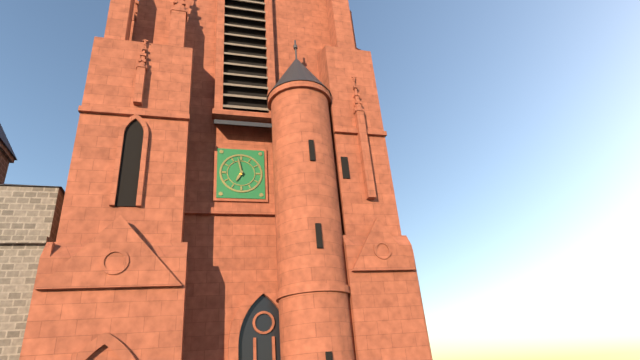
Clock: 6:58
